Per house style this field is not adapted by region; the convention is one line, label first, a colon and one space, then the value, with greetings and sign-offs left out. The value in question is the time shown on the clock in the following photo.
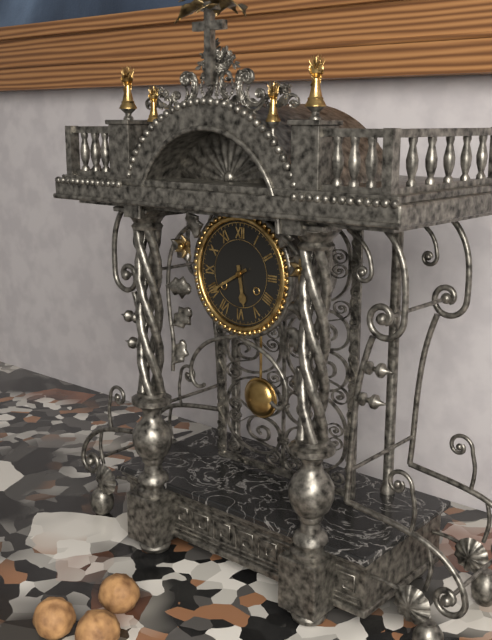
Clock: 5:40
